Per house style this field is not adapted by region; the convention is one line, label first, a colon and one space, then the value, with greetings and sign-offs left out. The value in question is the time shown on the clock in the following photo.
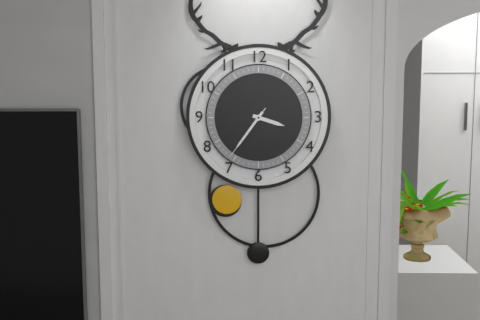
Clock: 3:36:36
